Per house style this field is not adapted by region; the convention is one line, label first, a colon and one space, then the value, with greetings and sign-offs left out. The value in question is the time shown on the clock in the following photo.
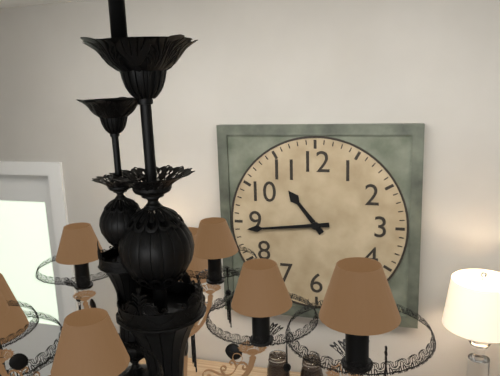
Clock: 10:44
